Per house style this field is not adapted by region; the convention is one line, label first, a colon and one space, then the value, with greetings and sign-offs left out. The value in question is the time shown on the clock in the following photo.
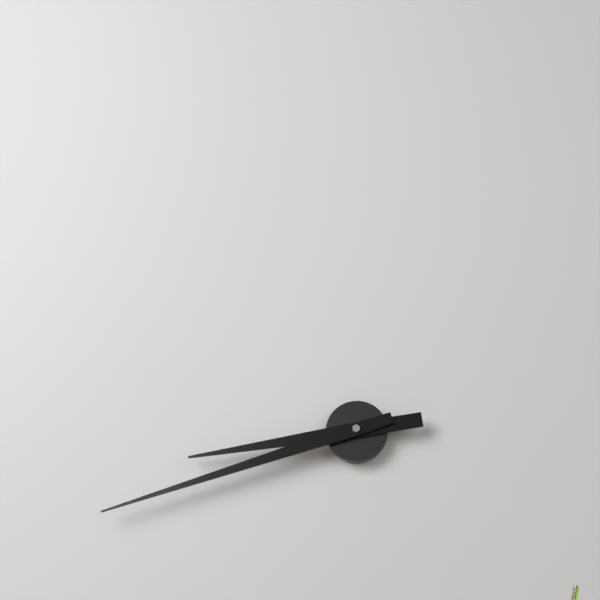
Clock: 8:42
